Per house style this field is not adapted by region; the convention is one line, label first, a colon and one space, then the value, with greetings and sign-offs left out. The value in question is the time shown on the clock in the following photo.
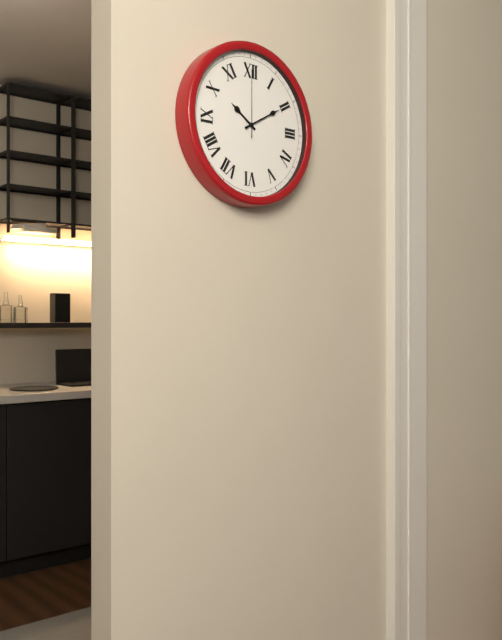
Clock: 10:10:00
